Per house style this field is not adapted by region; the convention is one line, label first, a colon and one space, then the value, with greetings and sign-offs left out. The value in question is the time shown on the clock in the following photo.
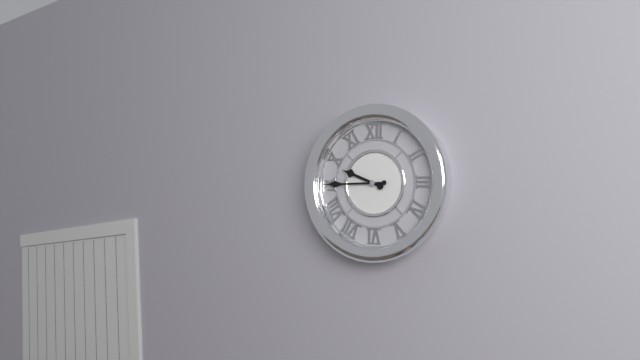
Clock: 9:45
